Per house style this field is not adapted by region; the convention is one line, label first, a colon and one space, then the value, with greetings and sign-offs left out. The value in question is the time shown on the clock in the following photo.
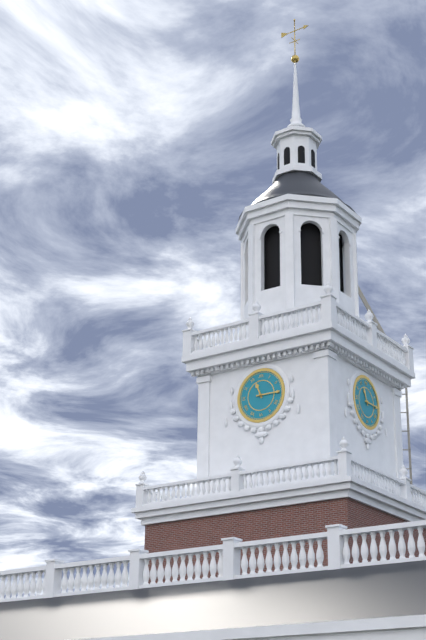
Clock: 11:15
